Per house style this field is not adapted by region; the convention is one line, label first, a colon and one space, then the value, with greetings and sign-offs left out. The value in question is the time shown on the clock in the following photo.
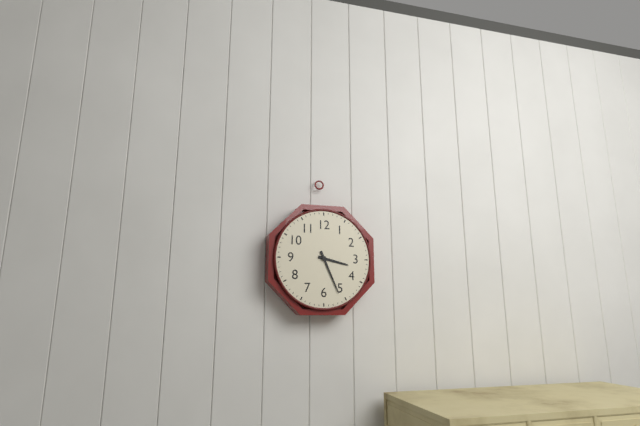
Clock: 3:26
